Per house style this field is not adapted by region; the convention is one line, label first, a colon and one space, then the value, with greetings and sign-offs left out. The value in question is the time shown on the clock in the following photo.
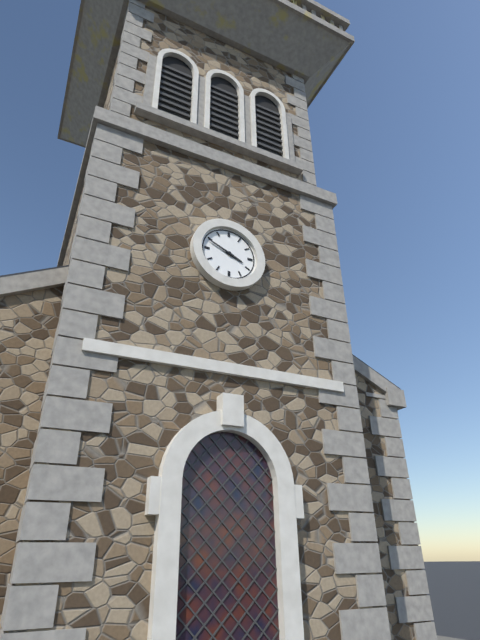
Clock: 3:49
